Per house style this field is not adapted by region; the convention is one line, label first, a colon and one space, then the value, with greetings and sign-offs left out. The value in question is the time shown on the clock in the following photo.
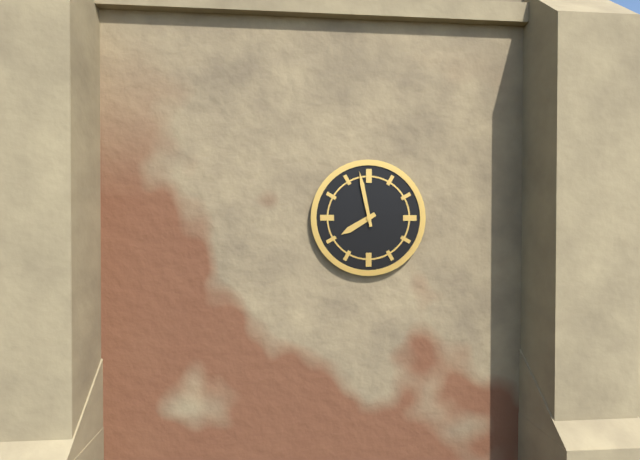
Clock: 7:58
